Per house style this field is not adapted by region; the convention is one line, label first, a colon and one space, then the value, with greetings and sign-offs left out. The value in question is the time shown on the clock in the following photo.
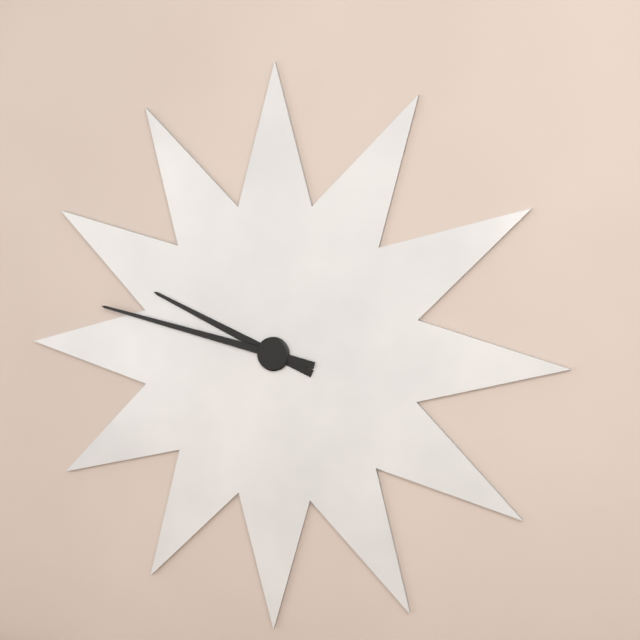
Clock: 9:47
